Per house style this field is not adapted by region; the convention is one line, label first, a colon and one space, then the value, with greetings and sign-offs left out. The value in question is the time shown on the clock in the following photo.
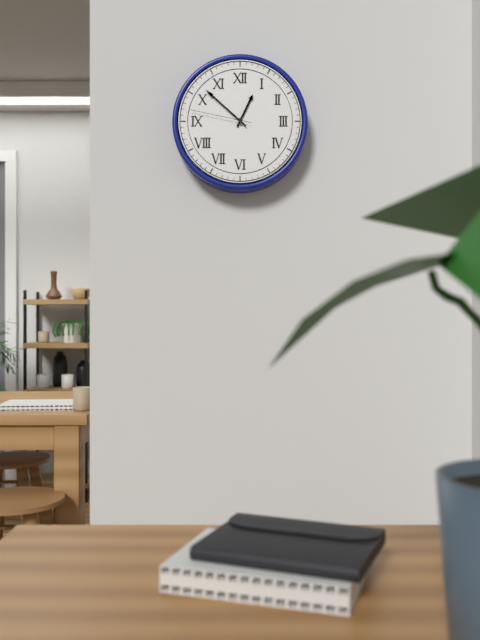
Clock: 12:52:47
